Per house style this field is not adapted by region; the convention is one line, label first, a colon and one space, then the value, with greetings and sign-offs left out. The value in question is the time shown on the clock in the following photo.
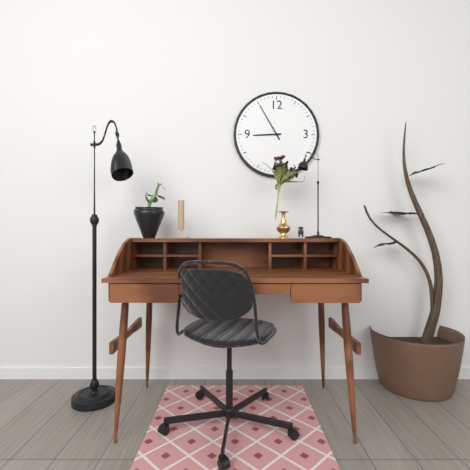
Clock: 8:55
